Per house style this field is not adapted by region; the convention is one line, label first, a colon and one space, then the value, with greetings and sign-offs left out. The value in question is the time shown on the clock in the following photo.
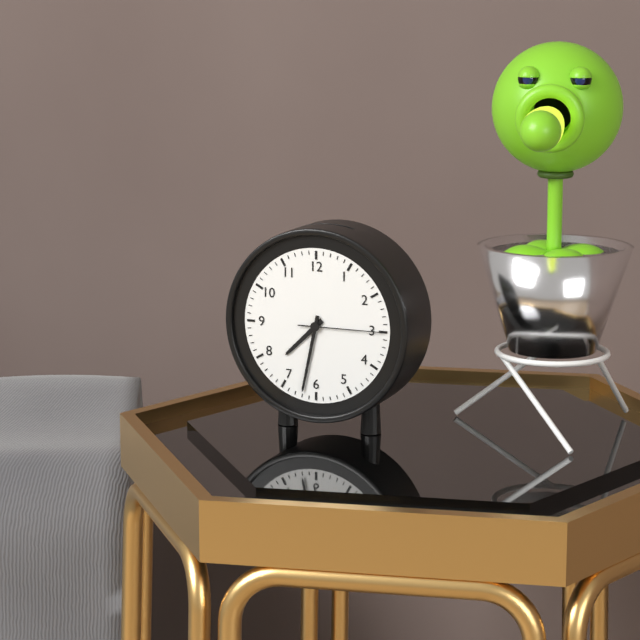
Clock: 7:32:15
